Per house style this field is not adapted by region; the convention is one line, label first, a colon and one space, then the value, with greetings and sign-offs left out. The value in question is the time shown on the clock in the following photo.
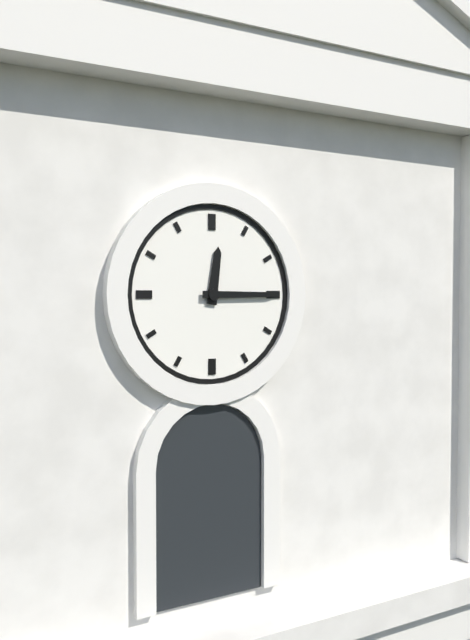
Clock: 12:15
